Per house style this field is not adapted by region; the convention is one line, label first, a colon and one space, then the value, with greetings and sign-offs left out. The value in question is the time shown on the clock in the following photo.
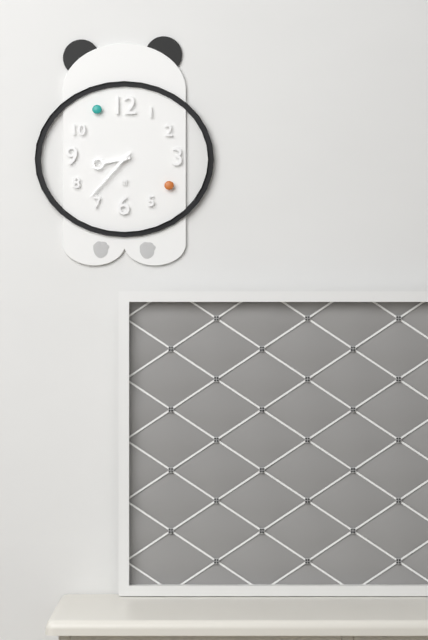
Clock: 8:37
